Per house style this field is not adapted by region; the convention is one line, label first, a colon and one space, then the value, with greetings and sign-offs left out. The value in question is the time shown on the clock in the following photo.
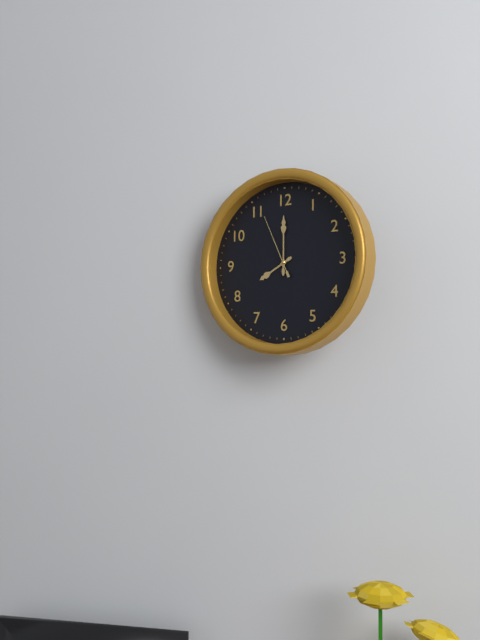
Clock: 8:00:56
